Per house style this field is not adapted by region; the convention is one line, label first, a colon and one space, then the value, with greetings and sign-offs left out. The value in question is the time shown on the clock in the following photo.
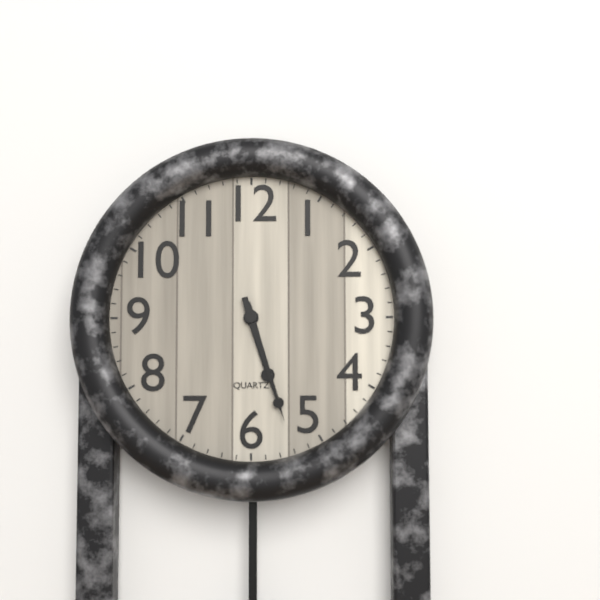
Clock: 5:27
